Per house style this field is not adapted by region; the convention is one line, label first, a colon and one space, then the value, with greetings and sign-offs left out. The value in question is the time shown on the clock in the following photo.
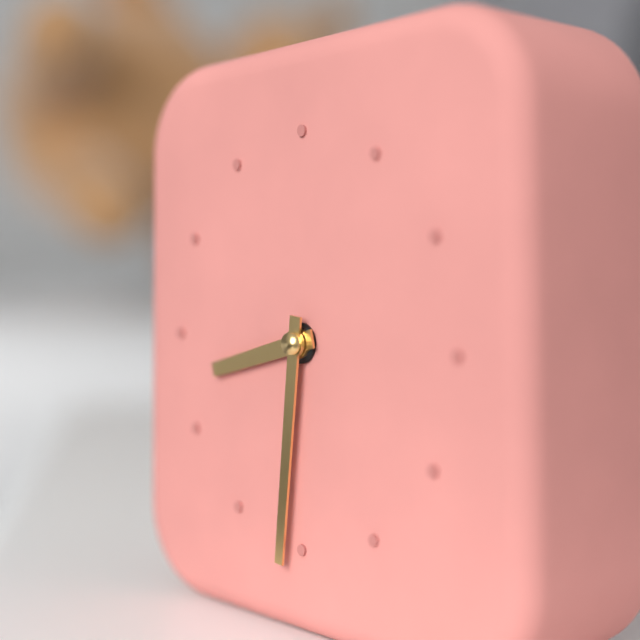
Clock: 8:31
